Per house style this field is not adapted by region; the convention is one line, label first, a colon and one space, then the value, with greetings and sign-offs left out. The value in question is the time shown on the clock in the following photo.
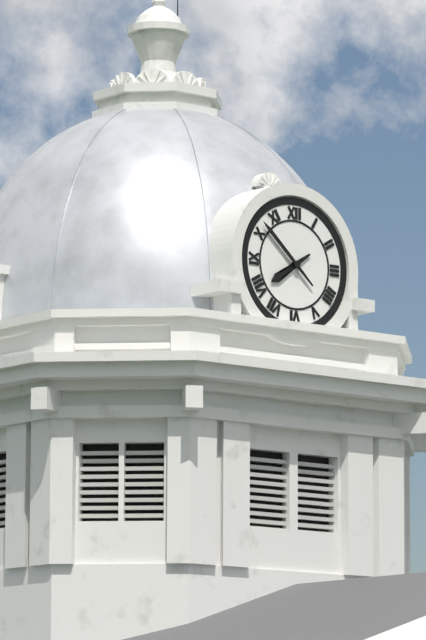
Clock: 7:52
